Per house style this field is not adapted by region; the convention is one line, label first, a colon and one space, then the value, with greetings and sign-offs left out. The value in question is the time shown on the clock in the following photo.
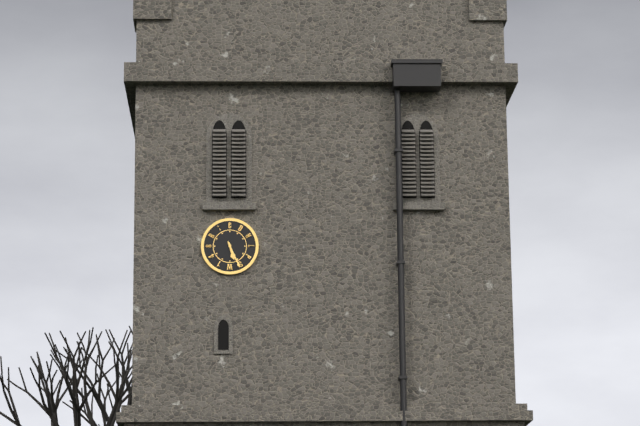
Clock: 5:26
